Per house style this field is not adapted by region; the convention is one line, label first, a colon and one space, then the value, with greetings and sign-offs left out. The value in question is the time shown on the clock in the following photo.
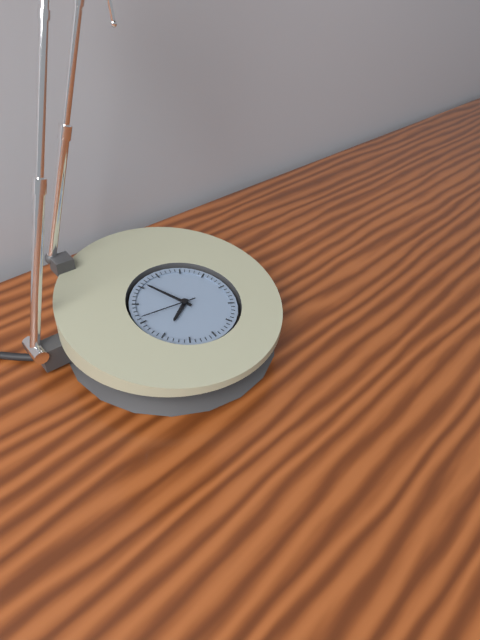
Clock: 7:56:46
